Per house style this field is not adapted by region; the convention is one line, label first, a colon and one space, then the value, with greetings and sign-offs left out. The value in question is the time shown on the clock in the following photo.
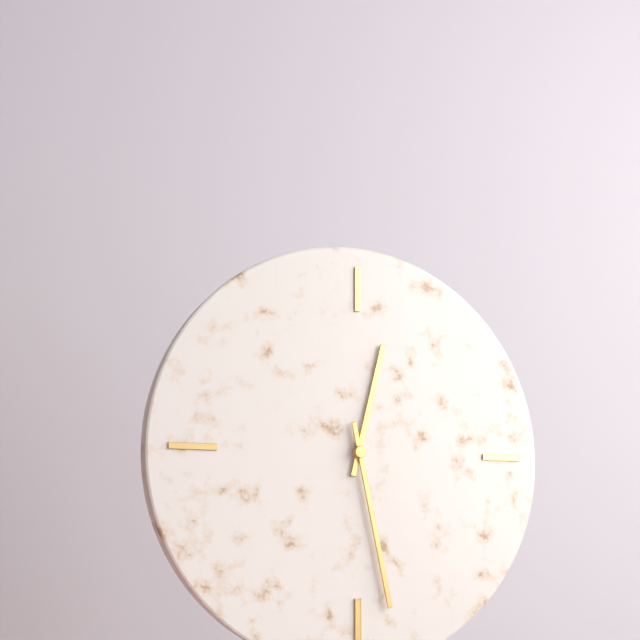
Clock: 12:28
